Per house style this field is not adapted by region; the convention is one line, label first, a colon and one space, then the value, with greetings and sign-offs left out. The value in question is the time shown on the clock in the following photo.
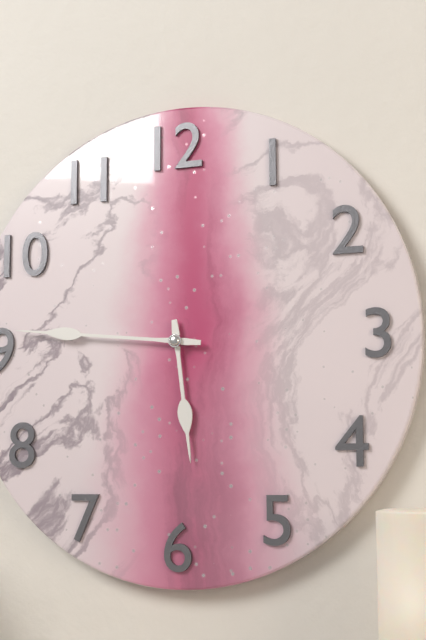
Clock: 5:46
